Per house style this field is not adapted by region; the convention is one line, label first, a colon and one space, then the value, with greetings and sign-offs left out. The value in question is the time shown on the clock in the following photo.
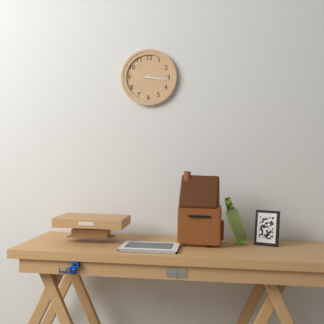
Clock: 3:16
